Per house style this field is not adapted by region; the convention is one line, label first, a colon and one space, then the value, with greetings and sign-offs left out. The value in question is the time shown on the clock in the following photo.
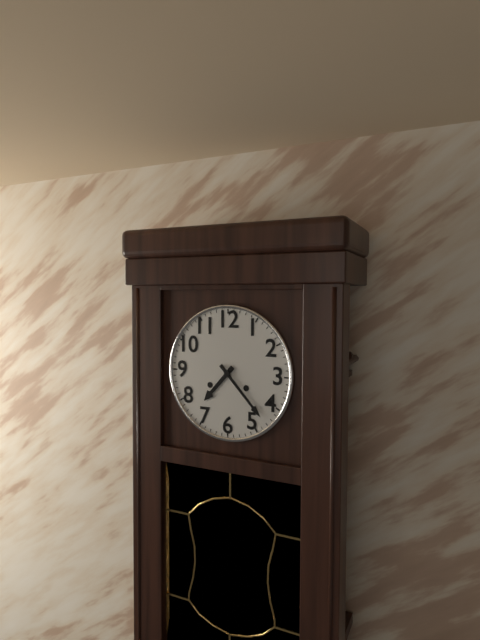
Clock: 7:23
